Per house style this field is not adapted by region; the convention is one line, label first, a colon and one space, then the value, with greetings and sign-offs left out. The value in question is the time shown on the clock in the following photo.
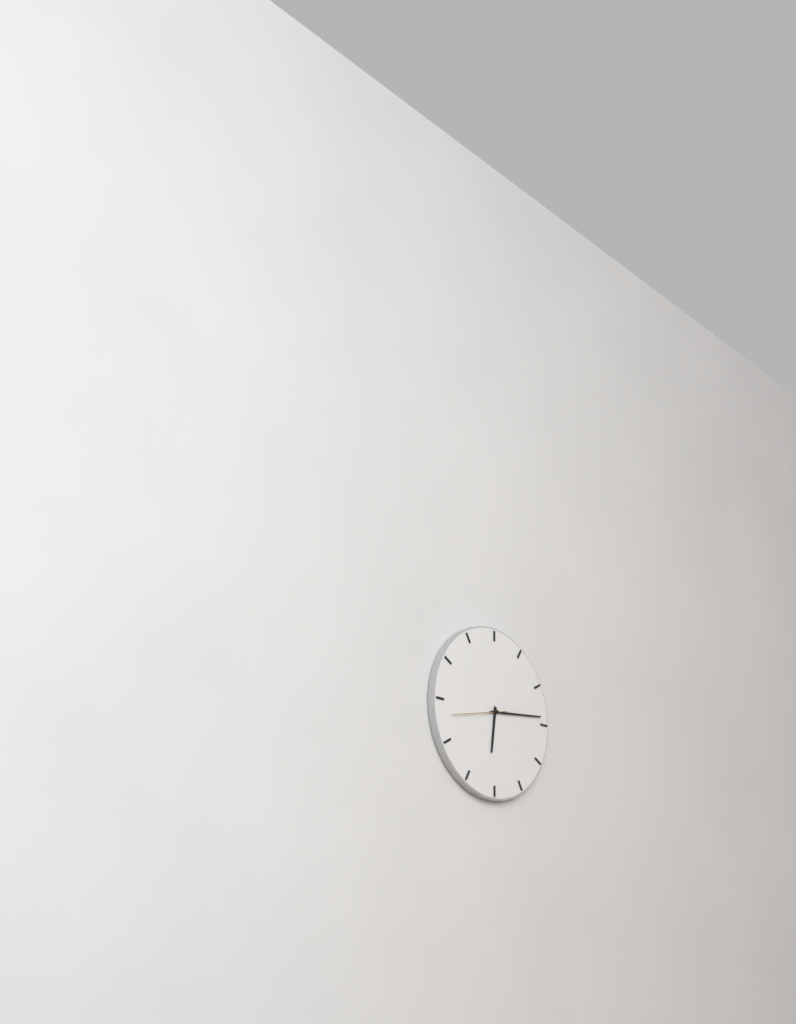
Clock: 6:14:43
